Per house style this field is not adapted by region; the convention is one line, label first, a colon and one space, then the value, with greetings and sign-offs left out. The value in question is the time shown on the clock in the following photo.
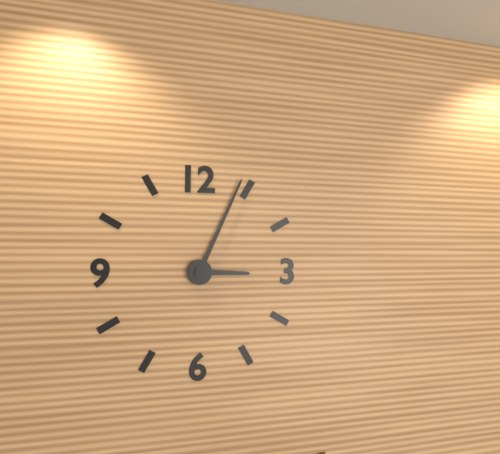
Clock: 3:04
